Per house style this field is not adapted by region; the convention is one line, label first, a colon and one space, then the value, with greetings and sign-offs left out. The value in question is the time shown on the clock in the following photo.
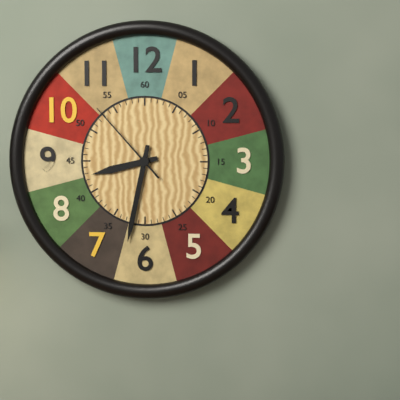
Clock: 8:32:53
